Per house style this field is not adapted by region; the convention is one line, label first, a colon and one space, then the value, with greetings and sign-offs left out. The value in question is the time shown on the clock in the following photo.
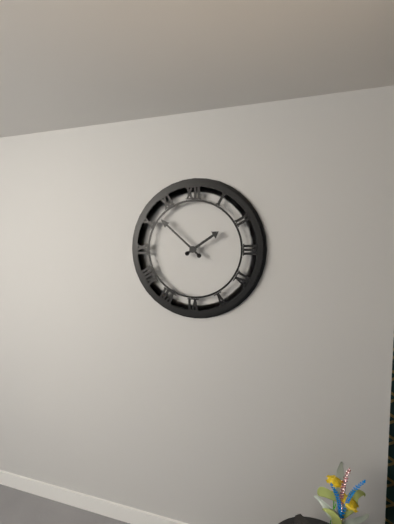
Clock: 1:52
